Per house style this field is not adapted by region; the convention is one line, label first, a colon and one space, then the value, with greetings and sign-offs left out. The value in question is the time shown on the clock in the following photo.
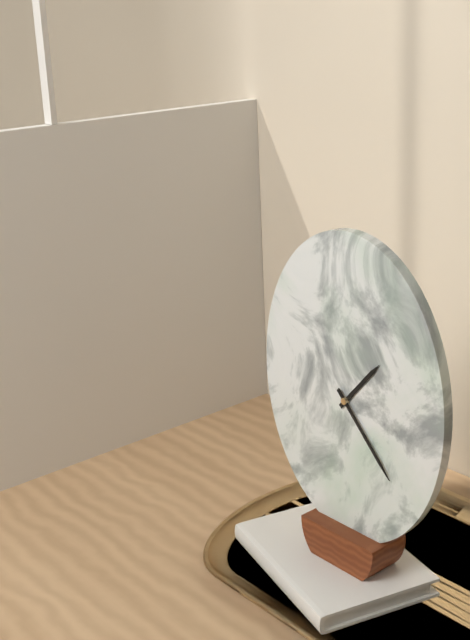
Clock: 1:23
